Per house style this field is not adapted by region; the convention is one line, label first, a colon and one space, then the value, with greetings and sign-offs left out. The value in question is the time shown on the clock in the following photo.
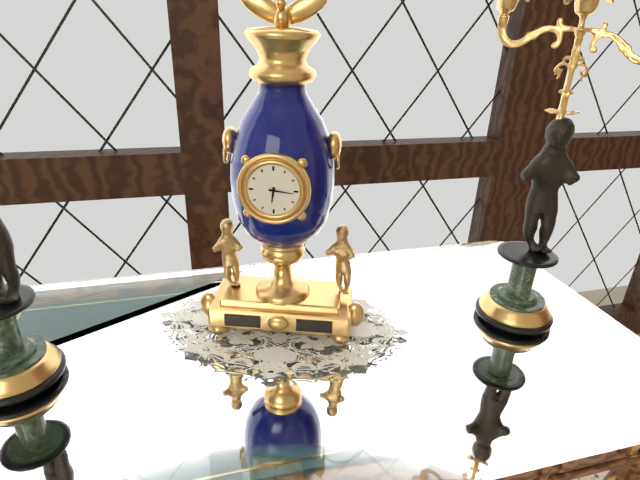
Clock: 6:16
